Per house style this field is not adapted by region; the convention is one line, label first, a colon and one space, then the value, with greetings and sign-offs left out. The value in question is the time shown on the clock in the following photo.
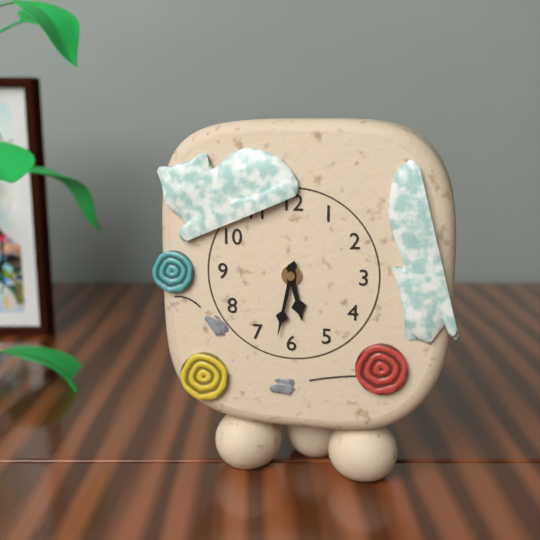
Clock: 5:32
